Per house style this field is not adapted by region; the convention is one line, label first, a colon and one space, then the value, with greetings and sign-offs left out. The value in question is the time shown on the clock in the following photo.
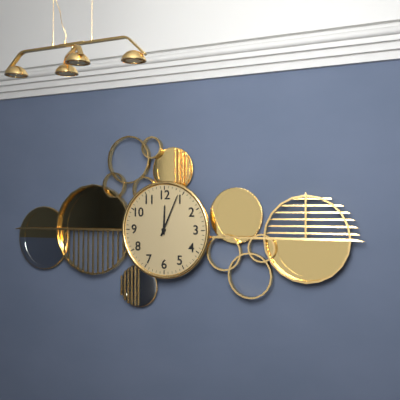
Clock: 12:04
